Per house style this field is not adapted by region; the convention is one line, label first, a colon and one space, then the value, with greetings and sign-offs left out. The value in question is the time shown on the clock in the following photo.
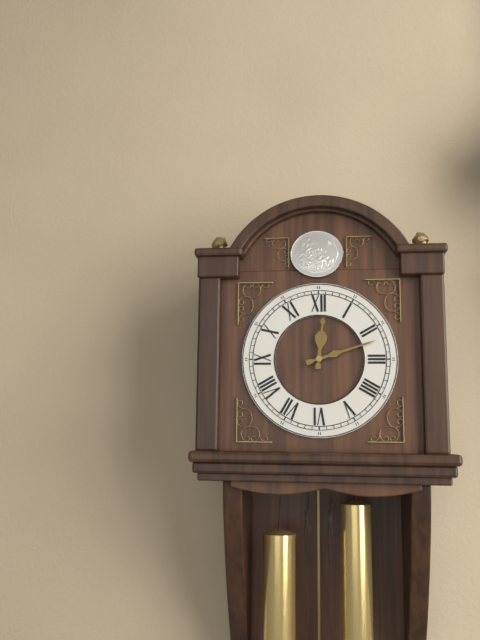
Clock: 12:12
